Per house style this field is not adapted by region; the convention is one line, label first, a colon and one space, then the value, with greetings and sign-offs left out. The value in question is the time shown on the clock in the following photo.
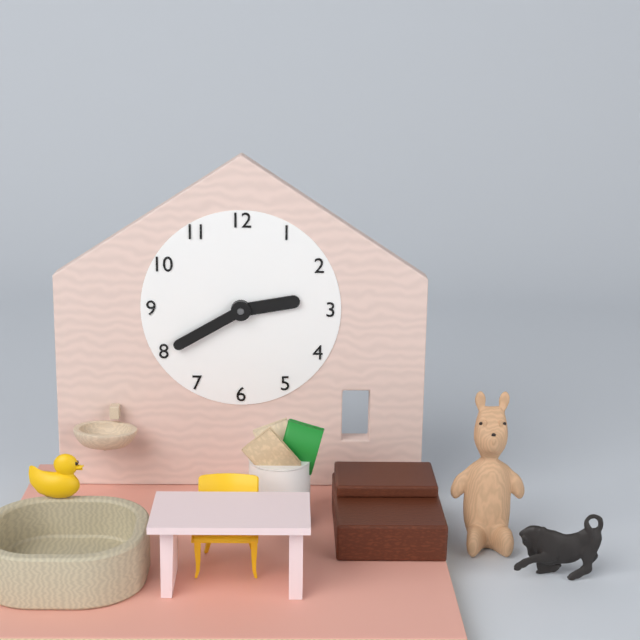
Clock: 2:40
